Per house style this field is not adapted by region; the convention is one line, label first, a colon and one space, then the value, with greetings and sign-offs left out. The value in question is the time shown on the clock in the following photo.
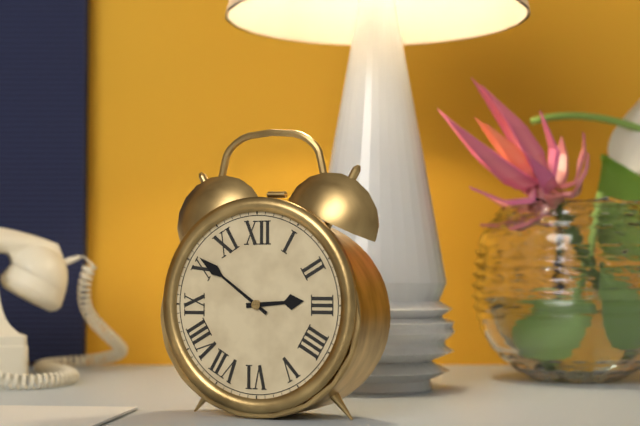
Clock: 2:51
